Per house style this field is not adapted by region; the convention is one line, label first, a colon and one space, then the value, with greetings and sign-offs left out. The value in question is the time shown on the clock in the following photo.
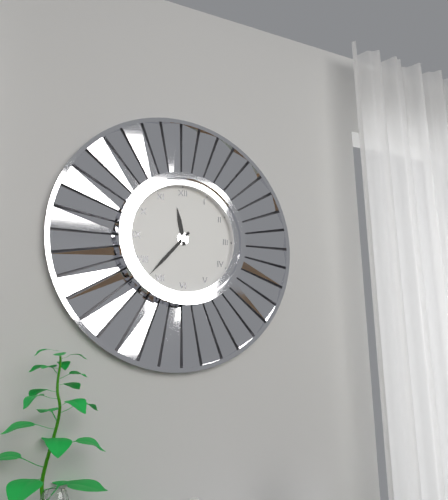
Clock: 11:37
